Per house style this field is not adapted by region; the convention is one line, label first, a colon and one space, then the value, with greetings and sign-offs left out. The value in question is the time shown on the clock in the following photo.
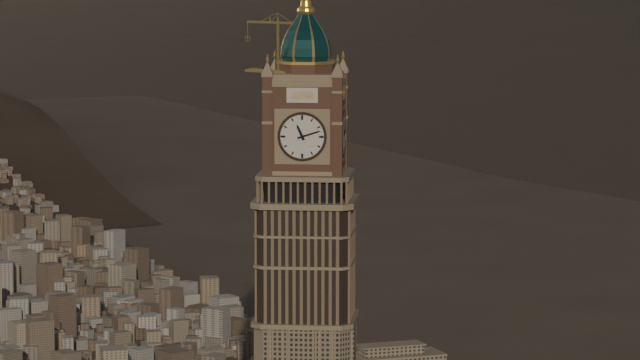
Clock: 11:12
